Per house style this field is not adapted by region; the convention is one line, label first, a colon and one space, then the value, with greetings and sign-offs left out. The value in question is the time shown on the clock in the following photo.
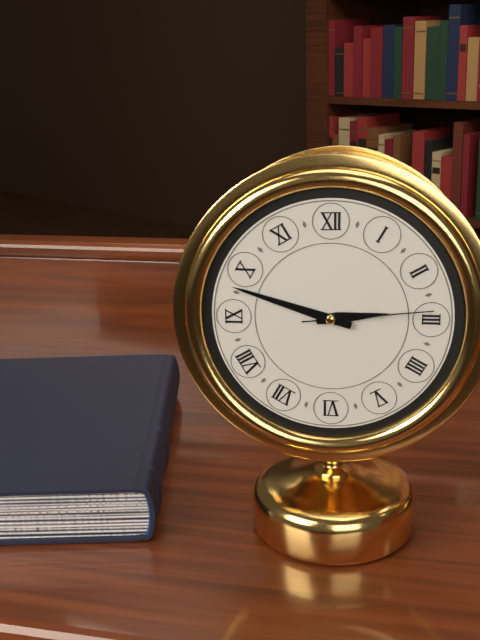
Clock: 2:48:14
